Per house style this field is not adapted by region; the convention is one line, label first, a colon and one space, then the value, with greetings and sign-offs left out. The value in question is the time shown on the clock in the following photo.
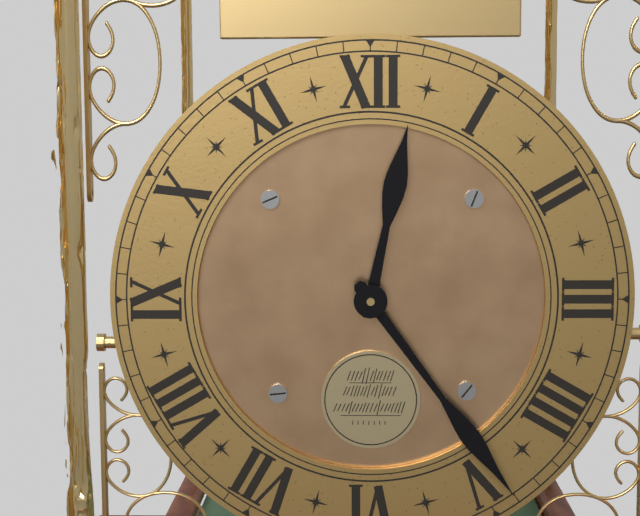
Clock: 12:24
